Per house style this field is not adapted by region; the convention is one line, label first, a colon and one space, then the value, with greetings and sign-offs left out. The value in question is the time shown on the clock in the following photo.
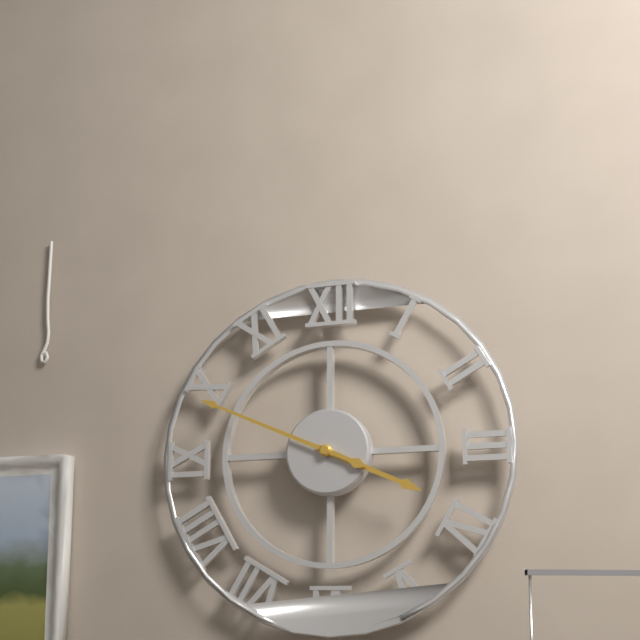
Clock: 3:49
